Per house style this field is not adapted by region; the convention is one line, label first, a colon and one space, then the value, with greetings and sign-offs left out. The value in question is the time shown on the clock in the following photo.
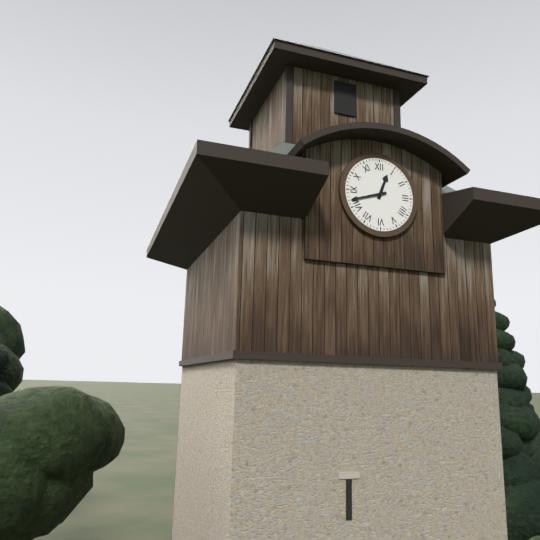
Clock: 12:42
